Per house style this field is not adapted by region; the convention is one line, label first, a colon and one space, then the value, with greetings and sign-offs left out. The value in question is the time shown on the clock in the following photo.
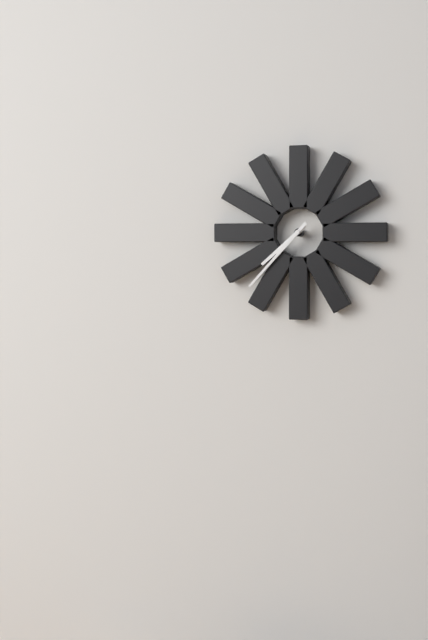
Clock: 7:37
